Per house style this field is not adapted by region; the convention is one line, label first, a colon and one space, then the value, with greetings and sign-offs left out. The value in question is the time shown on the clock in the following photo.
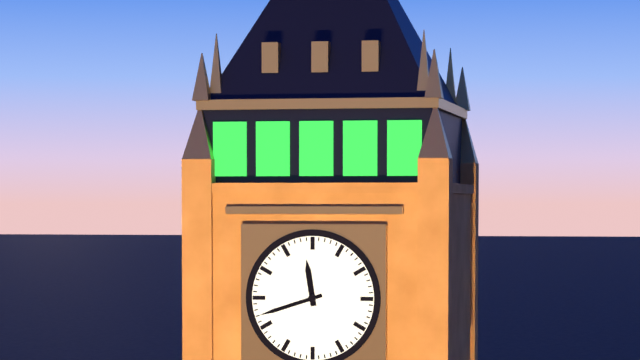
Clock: 11:42
